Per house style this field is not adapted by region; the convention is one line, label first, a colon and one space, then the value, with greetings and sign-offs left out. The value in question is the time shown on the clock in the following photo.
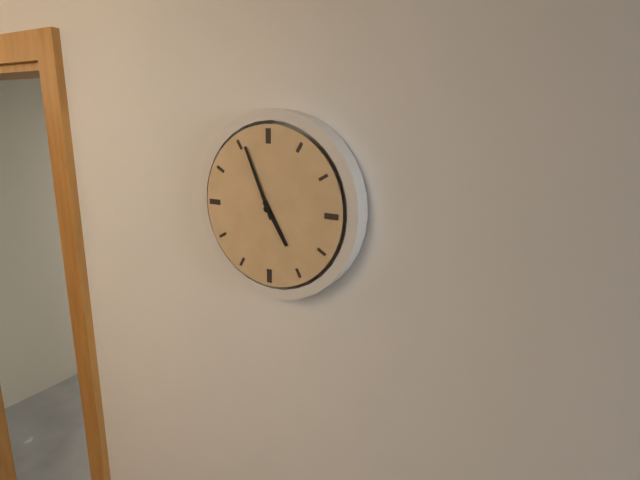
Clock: 4:56
